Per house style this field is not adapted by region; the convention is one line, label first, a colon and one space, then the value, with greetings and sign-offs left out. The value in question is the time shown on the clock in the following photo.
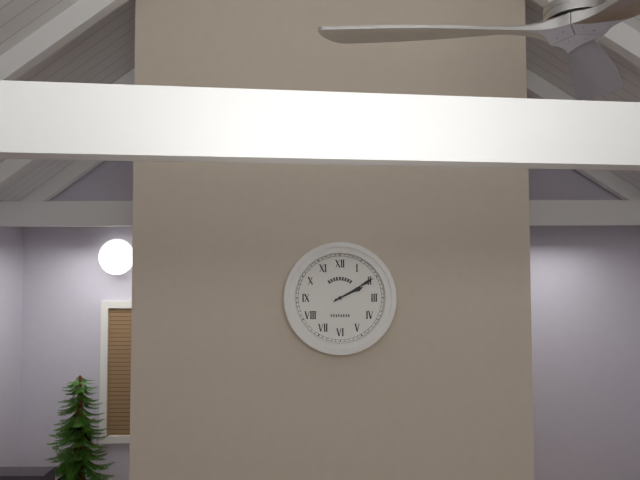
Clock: 2:10
